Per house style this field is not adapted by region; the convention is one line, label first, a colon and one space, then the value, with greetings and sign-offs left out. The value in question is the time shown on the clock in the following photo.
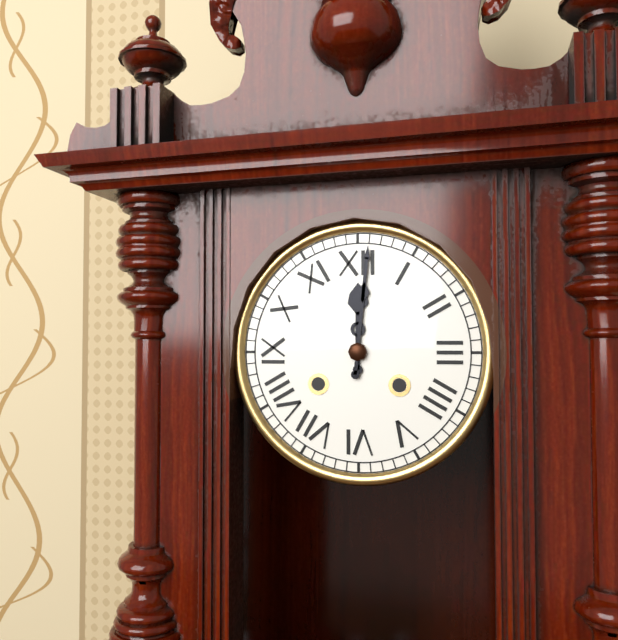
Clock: 12:01
